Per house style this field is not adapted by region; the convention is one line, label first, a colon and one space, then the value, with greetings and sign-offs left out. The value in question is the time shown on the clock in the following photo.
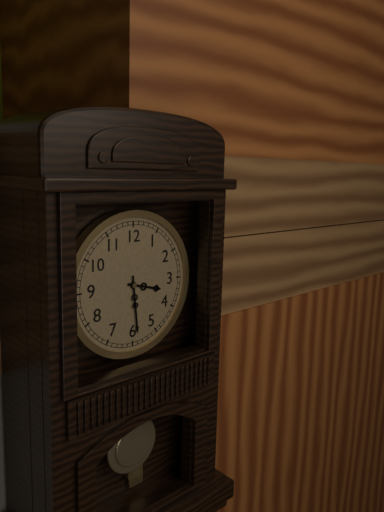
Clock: 3:29
